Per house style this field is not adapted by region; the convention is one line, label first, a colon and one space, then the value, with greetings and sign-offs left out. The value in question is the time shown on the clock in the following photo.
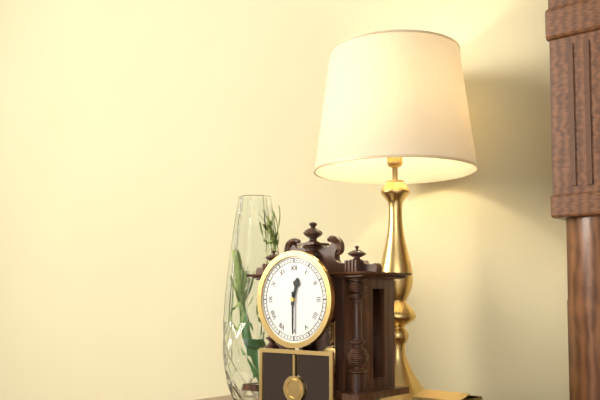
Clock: 12:30
